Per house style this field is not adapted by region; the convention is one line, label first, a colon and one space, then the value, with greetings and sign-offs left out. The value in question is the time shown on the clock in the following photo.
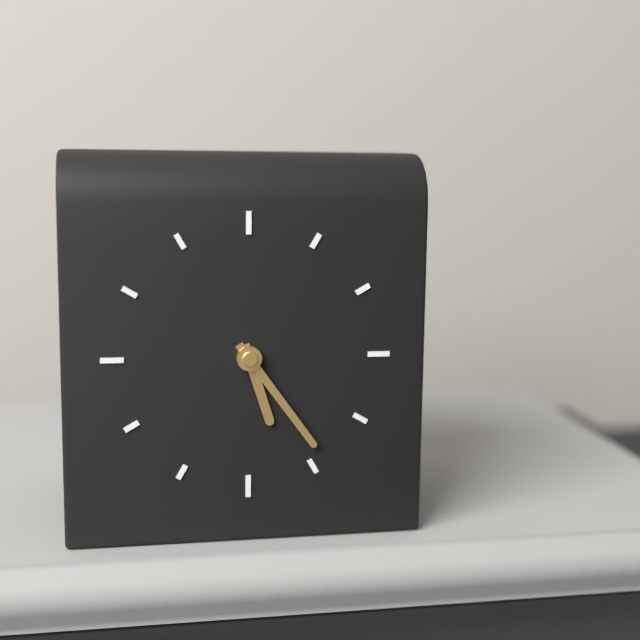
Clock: 5:24
